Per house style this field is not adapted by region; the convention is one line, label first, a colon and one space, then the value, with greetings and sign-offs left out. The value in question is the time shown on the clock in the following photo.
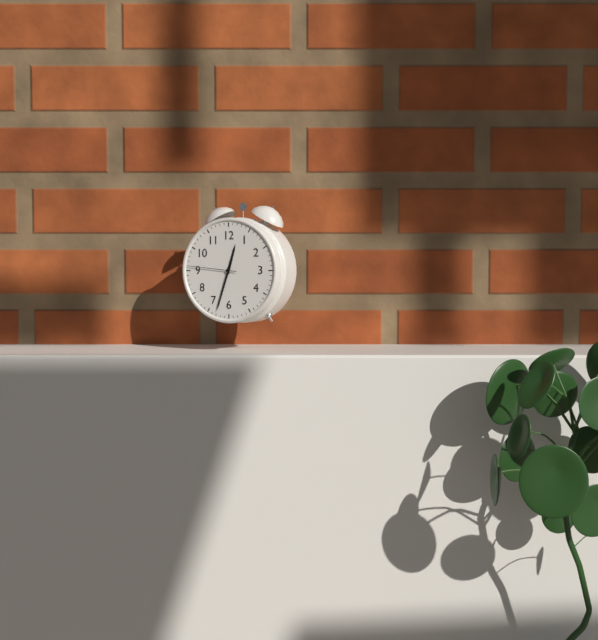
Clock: 12:33:46
